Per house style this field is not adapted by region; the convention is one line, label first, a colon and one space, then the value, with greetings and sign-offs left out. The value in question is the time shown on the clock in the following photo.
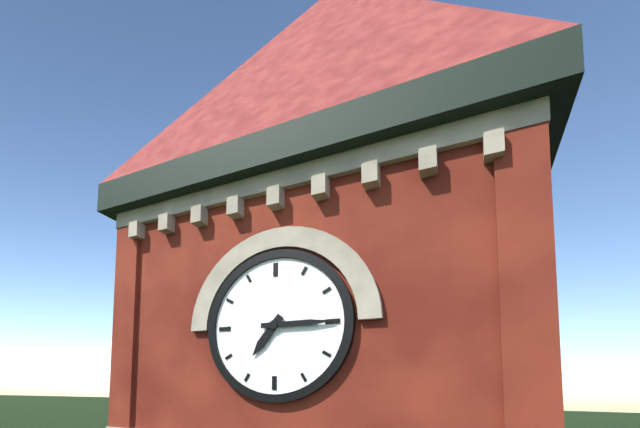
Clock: 7:15
